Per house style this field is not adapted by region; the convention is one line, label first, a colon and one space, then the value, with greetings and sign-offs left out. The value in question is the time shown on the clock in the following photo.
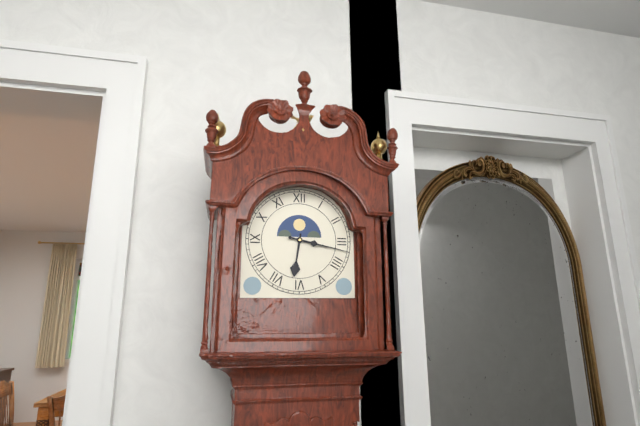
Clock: 6:17
